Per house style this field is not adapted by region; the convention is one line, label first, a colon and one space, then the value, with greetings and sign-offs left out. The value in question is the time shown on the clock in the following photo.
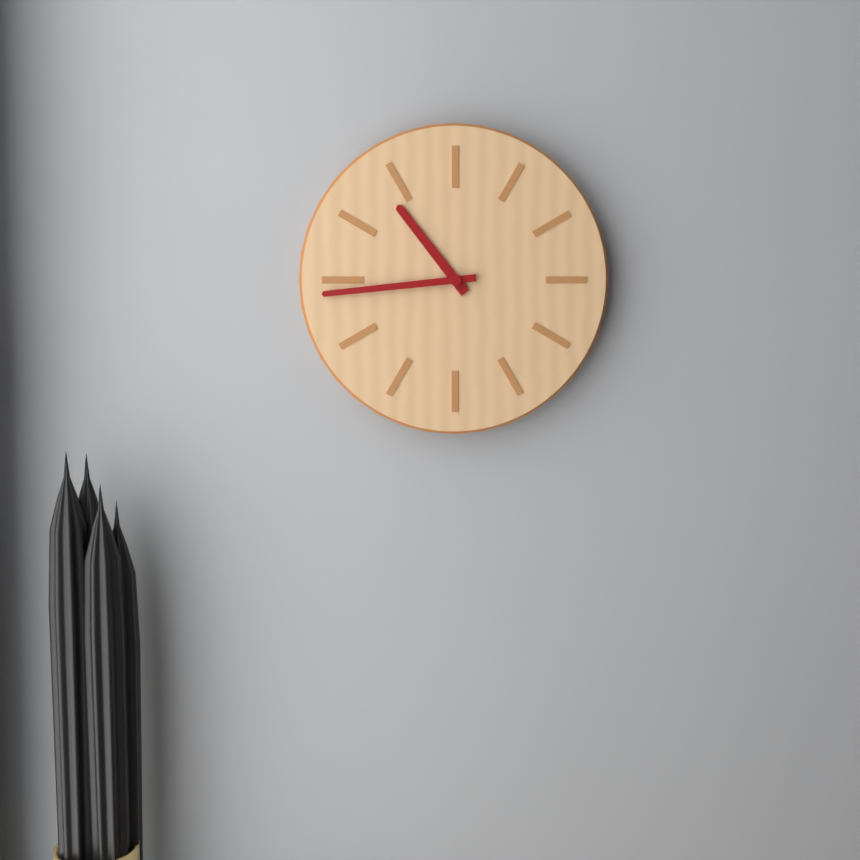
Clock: 10:44
